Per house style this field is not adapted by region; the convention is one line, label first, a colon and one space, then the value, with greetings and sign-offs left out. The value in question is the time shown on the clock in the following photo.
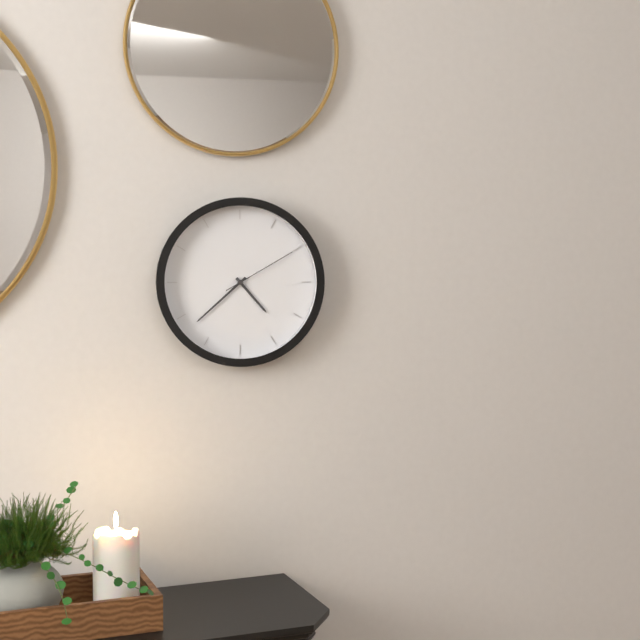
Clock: 4:38:10
